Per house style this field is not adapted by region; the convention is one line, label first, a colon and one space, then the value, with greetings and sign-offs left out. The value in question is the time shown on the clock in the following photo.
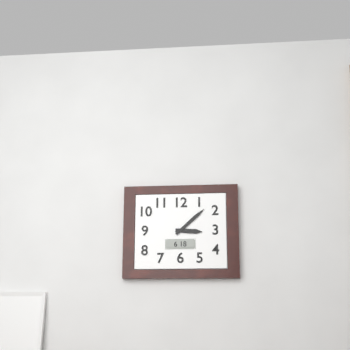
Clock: 3:08
